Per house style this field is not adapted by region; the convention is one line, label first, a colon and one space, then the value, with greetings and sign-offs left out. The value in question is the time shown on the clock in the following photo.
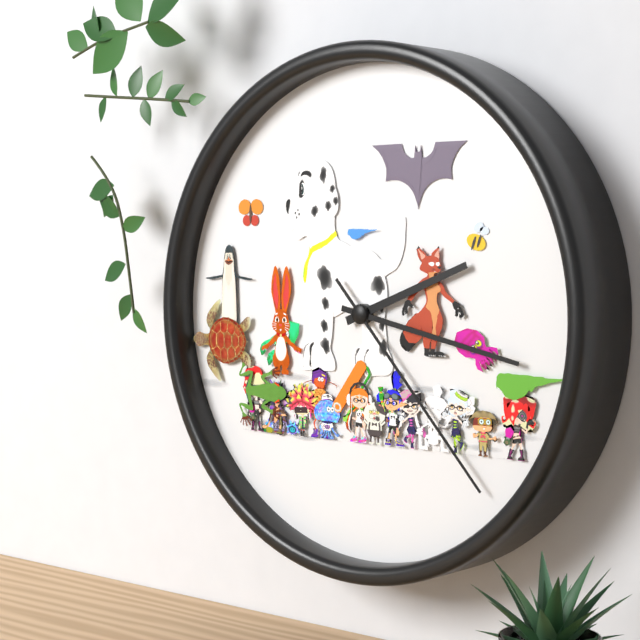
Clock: 2:17:23
